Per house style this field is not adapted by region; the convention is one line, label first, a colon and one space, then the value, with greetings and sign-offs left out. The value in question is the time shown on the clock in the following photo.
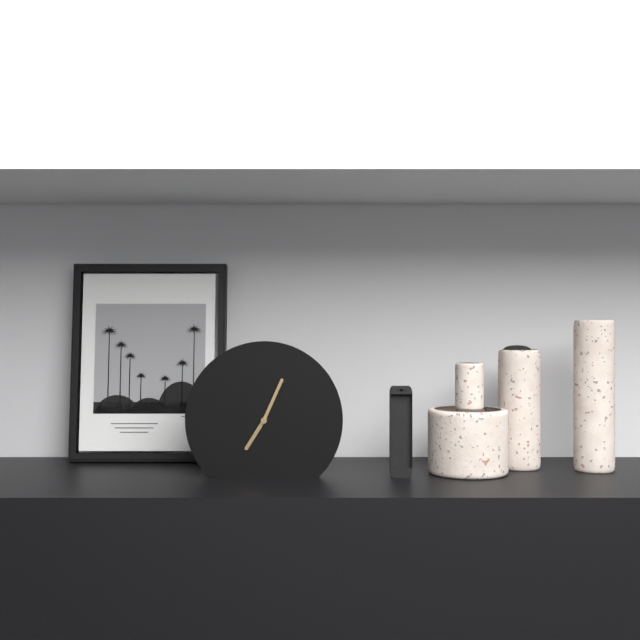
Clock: 7:04
